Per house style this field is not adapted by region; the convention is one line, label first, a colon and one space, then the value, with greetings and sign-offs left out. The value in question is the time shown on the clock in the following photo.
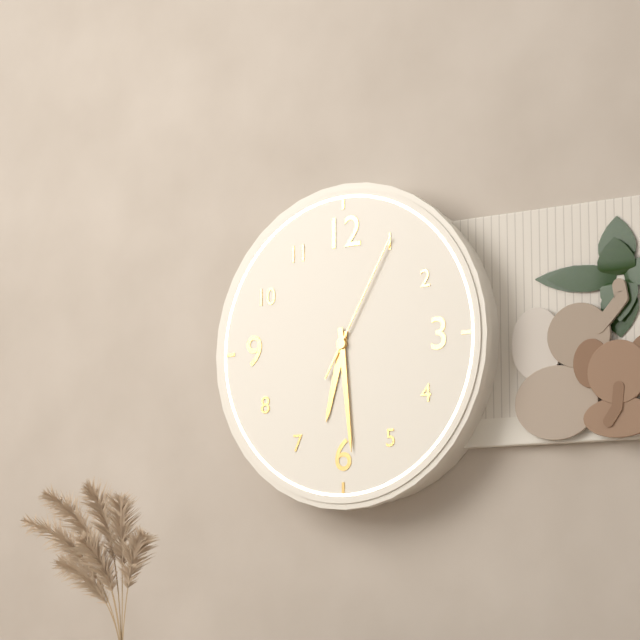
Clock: 6:29:05
